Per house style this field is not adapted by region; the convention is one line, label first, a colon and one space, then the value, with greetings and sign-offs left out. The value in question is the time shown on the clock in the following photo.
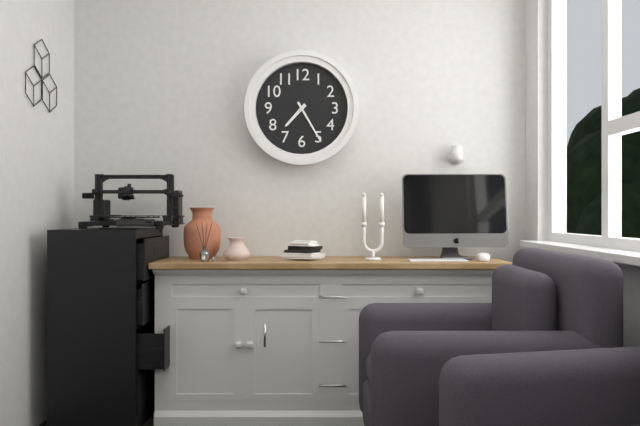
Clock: 7:25
